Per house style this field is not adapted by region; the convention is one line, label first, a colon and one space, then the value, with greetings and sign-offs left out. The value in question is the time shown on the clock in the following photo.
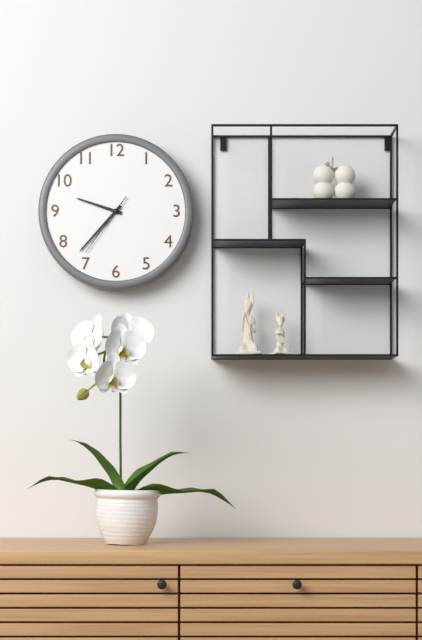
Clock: 9:37:36
